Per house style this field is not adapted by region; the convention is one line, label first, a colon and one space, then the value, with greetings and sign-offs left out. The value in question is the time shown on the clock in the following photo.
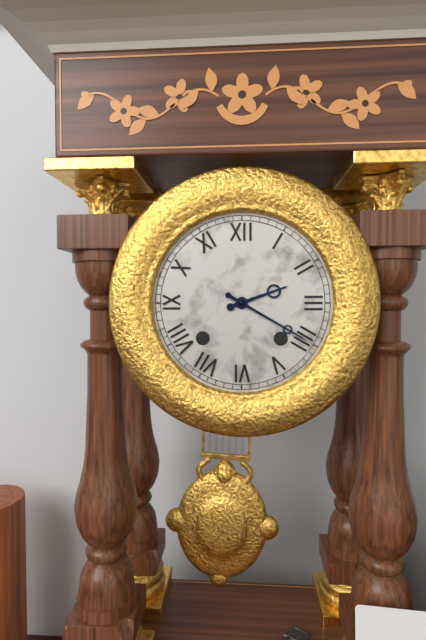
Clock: 2:20
